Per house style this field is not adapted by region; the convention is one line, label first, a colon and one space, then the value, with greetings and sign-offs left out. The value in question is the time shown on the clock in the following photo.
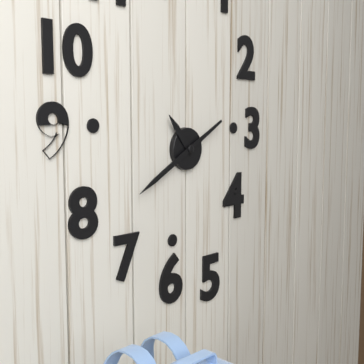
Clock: 10:40
